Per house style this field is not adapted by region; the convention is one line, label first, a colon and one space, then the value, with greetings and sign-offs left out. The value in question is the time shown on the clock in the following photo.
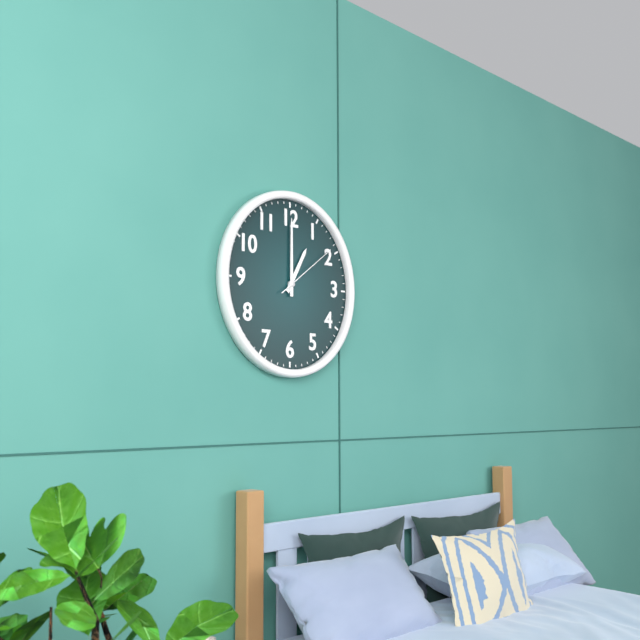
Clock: 1:00:09
